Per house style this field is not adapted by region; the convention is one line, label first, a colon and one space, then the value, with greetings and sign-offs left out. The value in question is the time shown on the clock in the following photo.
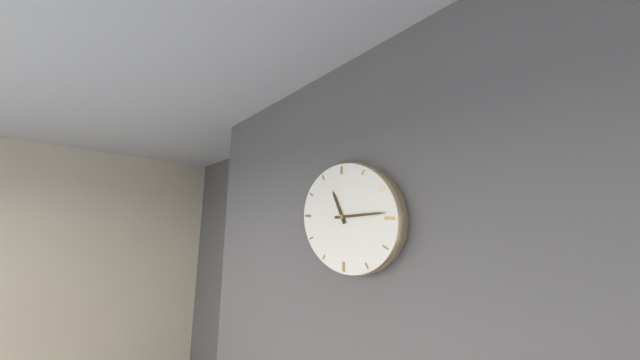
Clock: 11:14
